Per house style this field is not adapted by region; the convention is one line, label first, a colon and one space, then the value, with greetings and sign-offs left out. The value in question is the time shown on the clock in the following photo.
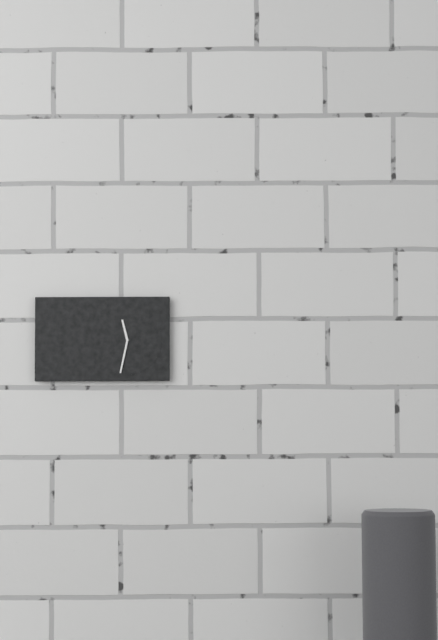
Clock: 11:32
